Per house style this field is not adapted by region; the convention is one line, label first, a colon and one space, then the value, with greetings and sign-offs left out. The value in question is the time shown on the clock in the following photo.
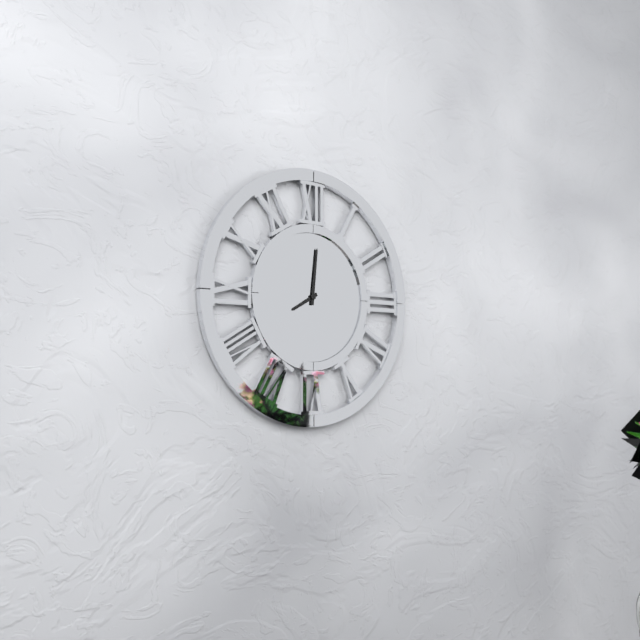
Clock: 8:01
